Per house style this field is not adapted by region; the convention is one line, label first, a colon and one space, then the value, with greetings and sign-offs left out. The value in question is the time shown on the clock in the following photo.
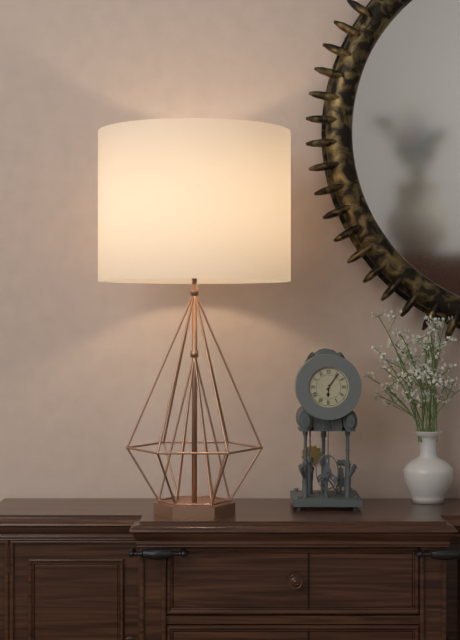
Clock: 6:06
